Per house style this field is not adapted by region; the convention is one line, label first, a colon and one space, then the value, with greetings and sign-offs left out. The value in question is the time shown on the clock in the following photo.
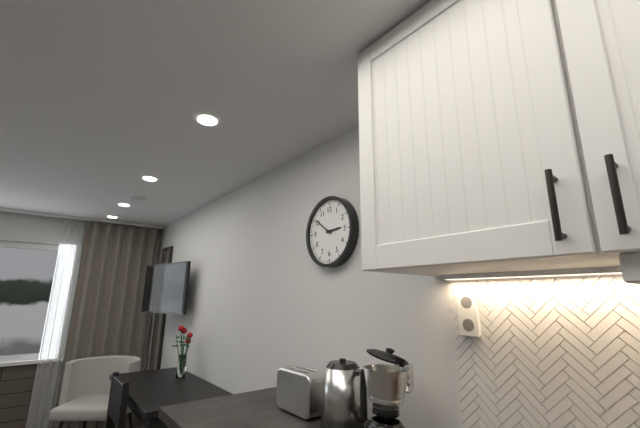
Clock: 2:51
